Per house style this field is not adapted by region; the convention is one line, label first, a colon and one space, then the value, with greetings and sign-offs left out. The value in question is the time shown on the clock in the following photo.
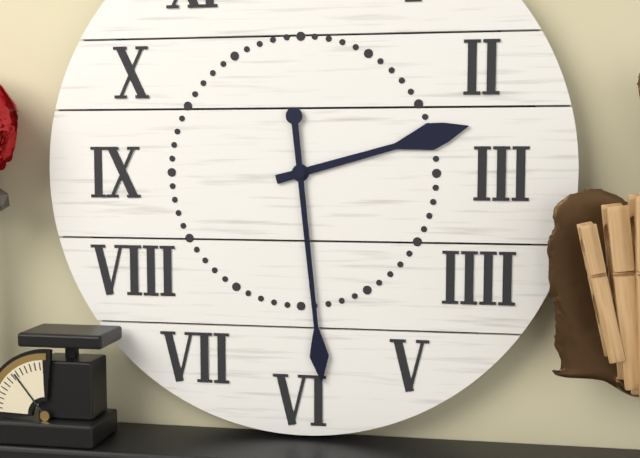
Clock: 2:29
